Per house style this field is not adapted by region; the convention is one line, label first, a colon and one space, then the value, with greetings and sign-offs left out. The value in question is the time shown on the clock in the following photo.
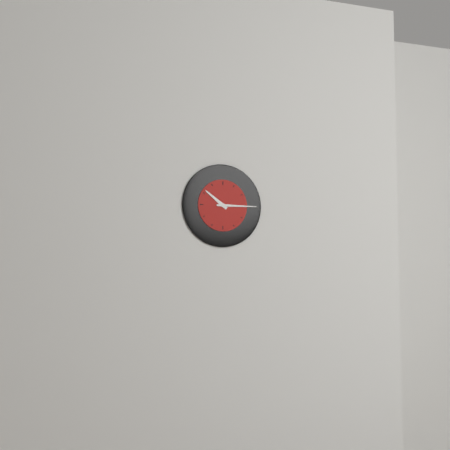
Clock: 10:15
